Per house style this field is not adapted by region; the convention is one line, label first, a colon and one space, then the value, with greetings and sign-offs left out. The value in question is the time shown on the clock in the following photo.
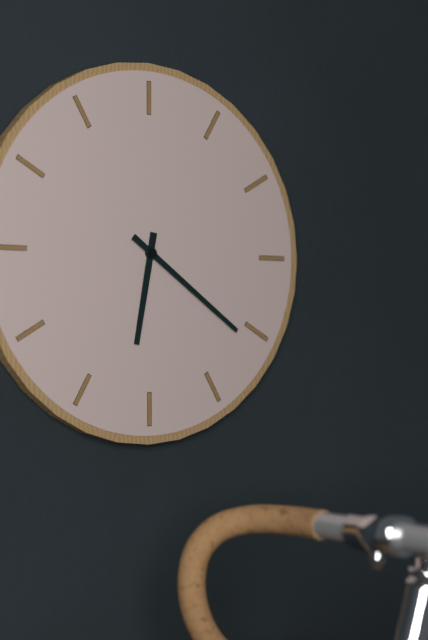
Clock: 6:21
